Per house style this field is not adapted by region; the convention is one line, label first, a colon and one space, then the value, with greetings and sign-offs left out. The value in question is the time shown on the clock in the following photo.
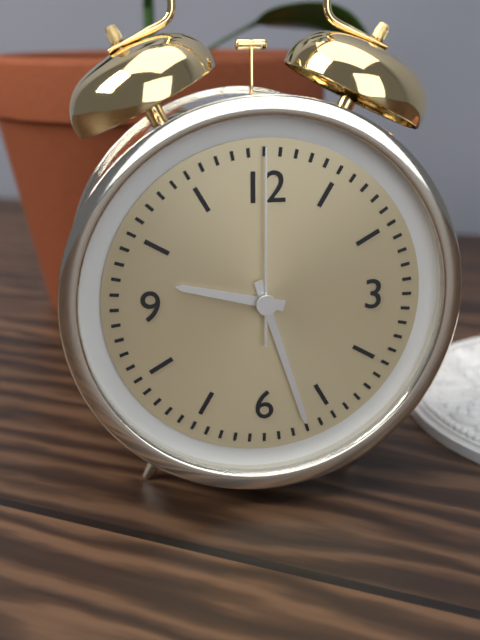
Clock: 9:27:00
